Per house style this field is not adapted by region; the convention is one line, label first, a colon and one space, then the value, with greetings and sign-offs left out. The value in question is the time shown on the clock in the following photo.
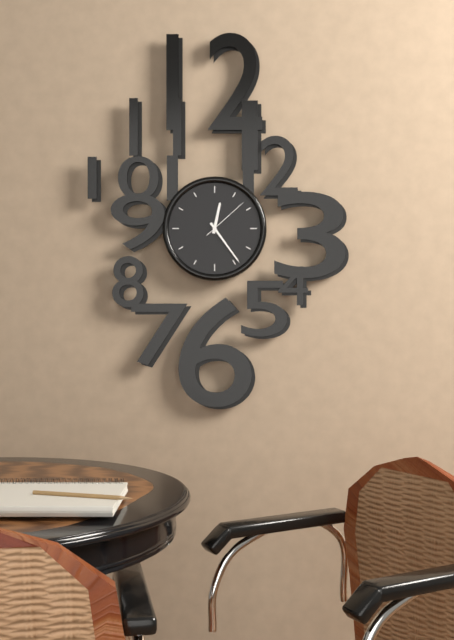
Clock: 12:24:08
